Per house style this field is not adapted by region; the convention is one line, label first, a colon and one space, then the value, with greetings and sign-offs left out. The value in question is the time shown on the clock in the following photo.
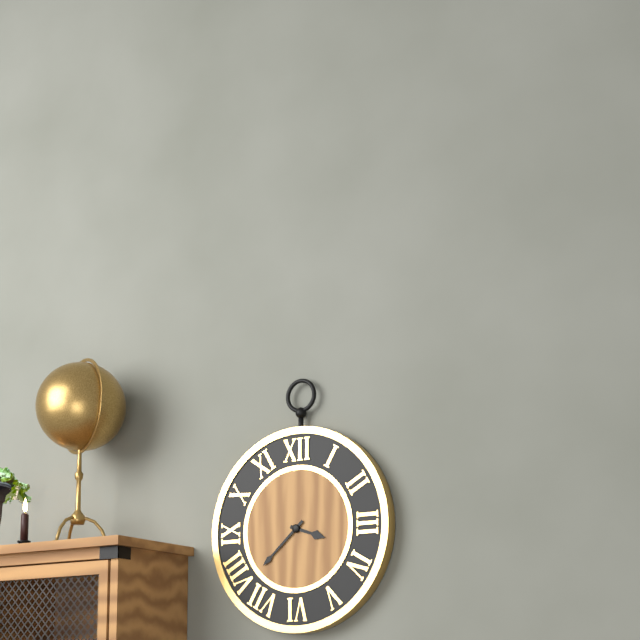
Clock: 3:38
